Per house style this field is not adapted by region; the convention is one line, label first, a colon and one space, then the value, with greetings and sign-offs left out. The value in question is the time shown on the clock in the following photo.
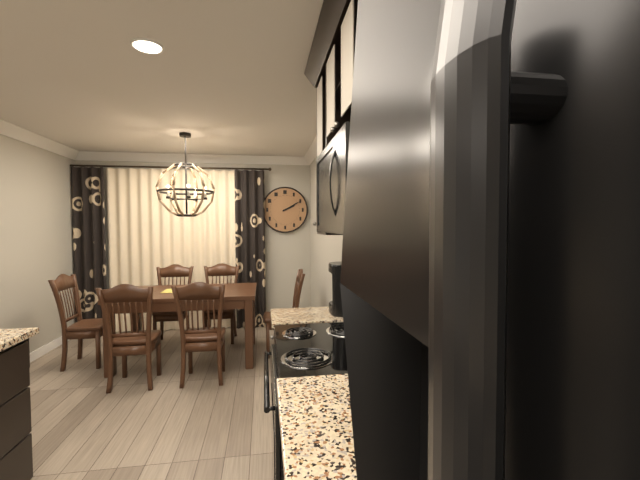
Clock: 2:10
